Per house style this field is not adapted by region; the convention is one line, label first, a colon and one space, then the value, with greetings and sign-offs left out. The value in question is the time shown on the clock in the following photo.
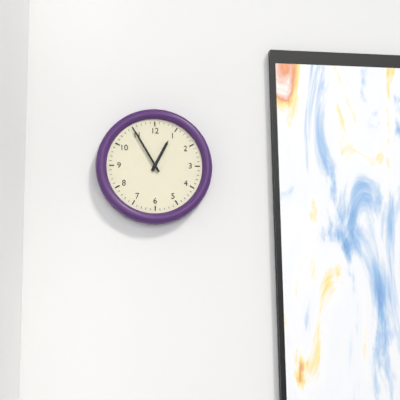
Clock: 12:55
